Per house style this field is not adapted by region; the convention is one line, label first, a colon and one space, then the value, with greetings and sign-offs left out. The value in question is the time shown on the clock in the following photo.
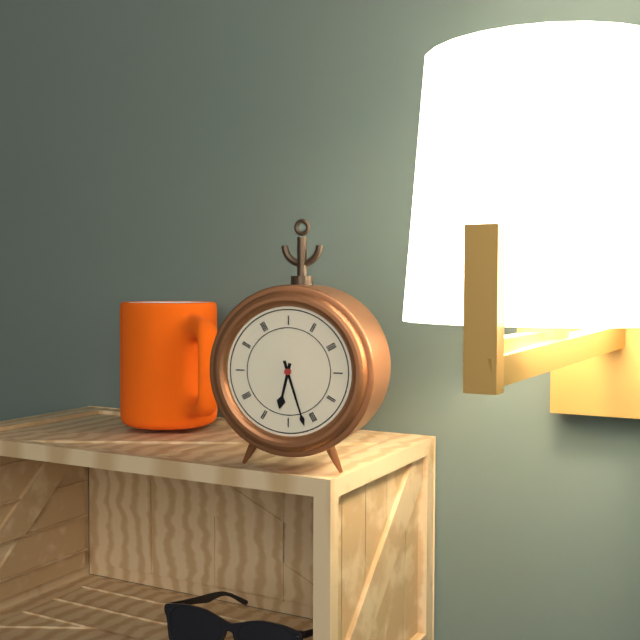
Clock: 6:27
